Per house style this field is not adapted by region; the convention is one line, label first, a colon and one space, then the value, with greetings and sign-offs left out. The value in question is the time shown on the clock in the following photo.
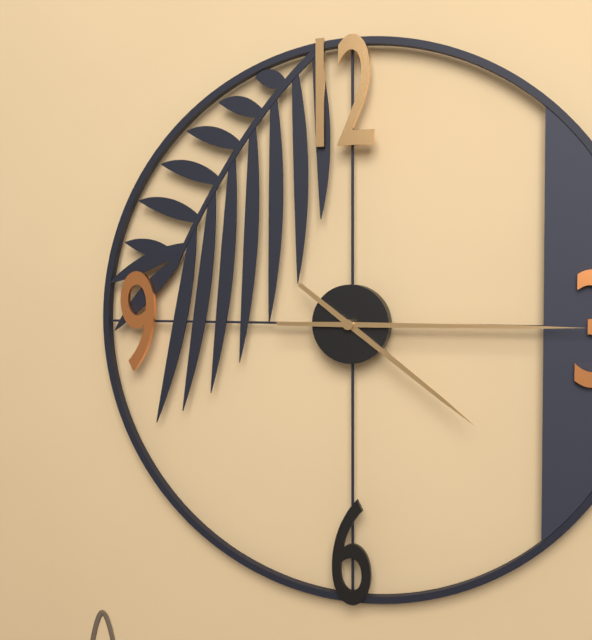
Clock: 4:15
